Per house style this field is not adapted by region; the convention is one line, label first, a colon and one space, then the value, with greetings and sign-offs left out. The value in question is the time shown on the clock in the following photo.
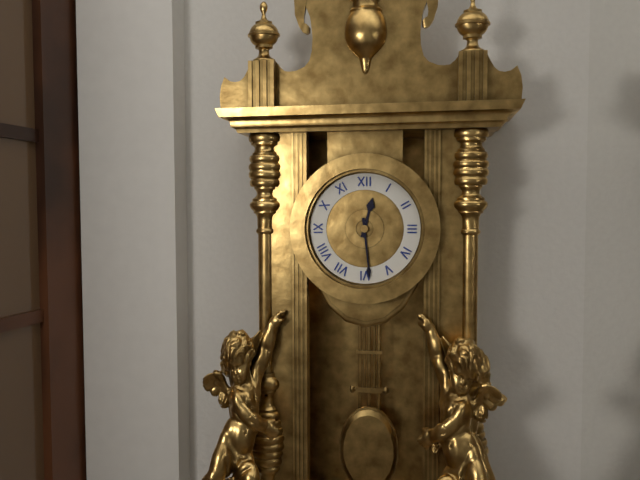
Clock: 12:29
